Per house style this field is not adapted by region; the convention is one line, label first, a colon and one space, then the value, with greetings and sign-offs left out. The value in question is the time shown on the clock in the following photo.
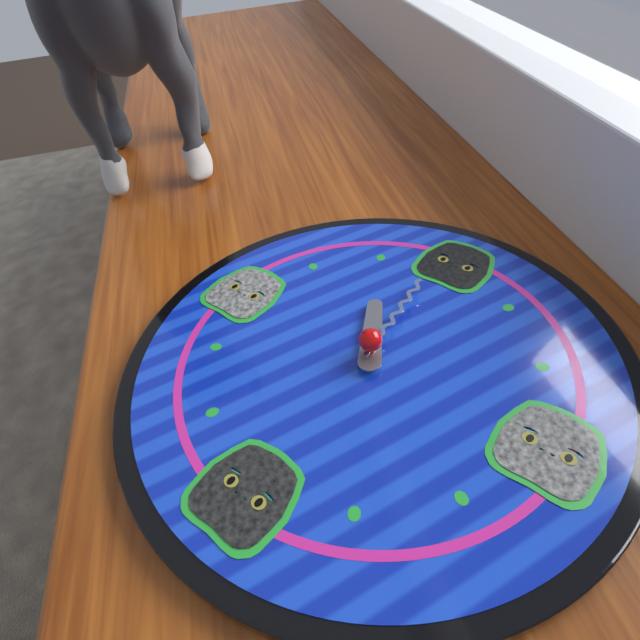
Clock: 10:59
